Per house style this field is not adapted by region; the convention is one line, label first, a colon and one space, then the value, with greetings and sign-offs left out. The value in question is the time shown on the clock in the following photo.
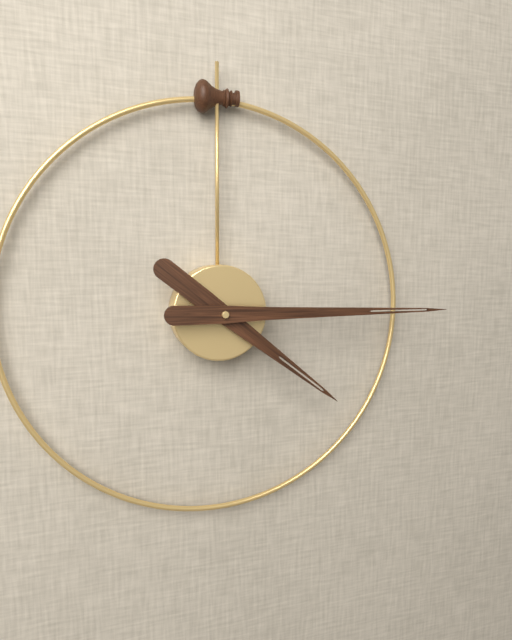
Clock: 4:15
